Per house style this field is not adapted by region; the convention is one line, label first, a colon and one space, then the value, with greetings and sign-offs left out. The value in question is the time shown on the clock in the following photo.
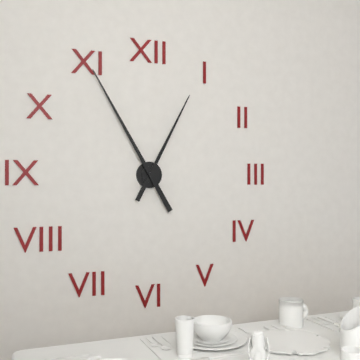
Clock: 12:55
